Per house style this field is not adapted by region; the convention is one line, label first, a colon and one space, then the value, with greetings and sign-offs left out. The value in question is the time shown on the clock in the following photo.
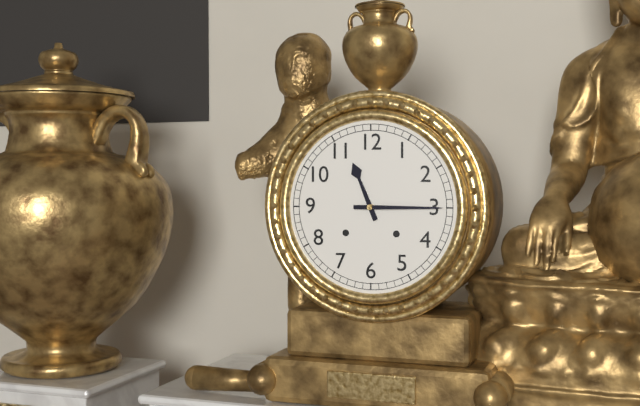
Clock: 11:15
